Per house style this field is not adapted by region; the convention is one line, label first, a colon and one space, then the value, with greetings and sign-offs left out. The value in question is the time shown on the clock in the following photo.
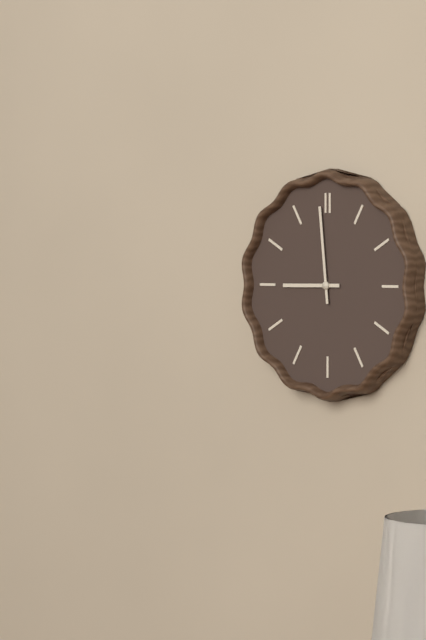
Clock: 8:59
